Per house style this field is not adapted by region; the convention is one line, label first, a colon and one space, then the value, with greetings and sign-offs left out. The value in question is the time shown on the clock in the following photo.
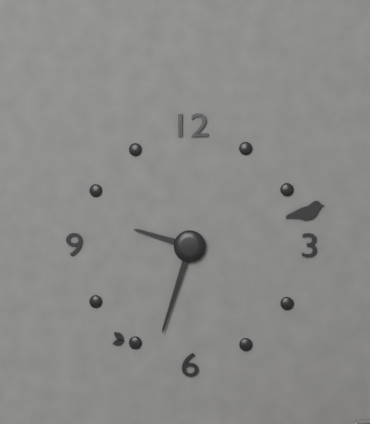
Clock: 9:33
